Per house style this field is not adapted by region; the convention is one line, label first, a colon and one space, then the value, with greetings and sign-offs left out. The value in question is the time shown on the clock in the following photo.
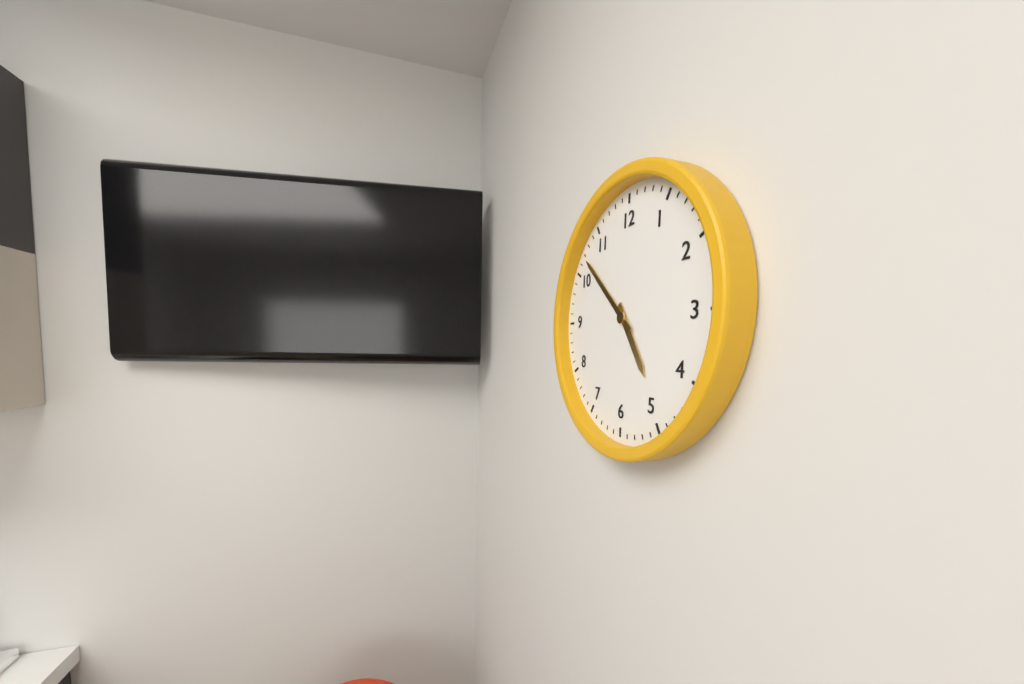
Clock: 4:52
